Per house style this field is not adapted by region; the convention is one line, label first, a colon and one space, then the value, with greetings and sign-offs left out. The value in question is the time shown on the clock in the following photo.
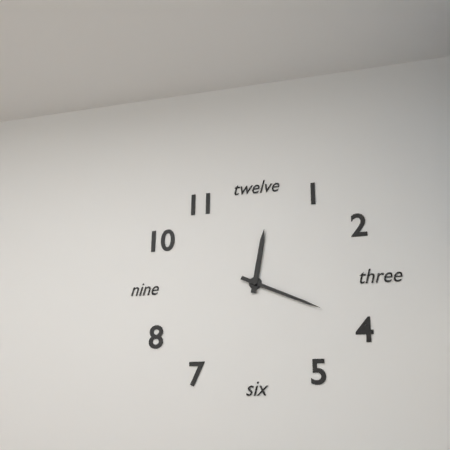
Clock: 12:19
